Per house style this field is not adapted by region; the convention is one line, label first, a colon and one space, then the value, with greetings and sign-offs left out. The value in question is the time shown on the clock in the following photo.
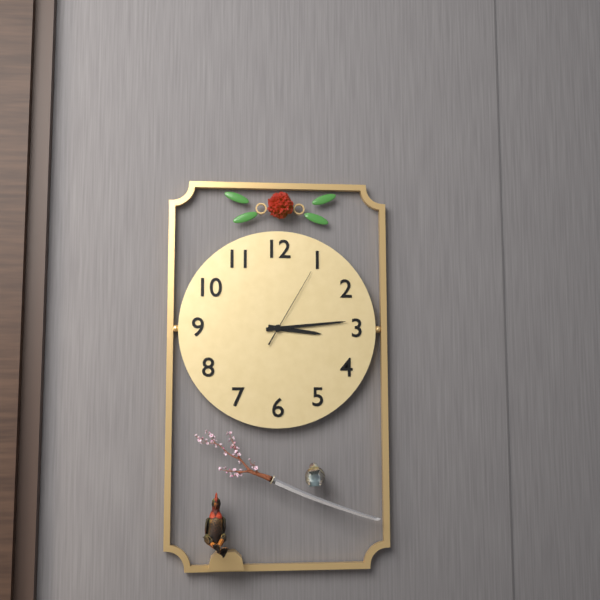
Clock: 3:14:05
